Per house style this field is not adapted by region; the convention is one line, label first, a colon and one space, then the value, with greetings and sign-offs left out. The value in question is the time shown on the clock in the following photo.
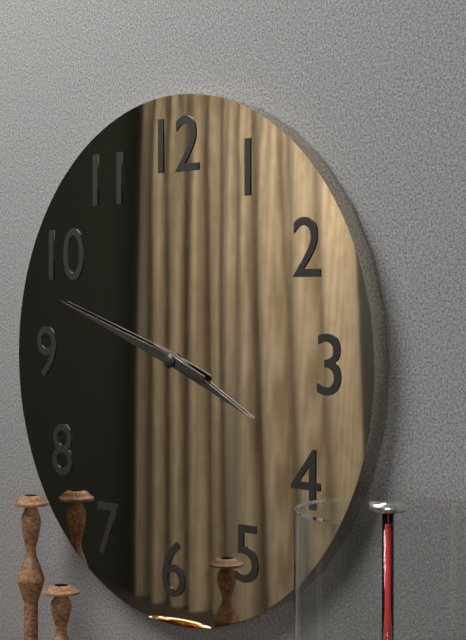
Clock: 3:48
